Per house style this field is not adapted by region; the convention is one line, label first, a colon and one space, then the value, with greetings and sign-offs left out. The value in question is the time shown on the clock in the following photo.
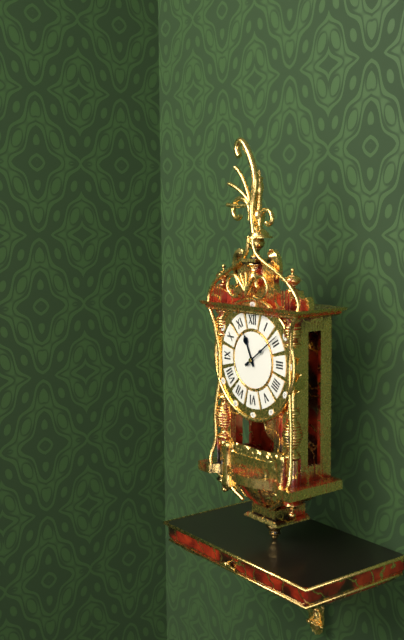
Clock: 11:09
